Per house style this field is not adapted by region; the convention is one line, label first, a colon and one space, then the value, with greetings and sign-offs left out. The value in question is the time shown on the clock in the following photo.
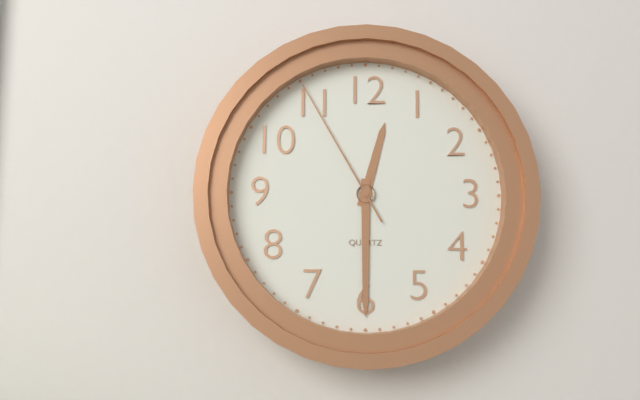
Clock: 12:30:55
